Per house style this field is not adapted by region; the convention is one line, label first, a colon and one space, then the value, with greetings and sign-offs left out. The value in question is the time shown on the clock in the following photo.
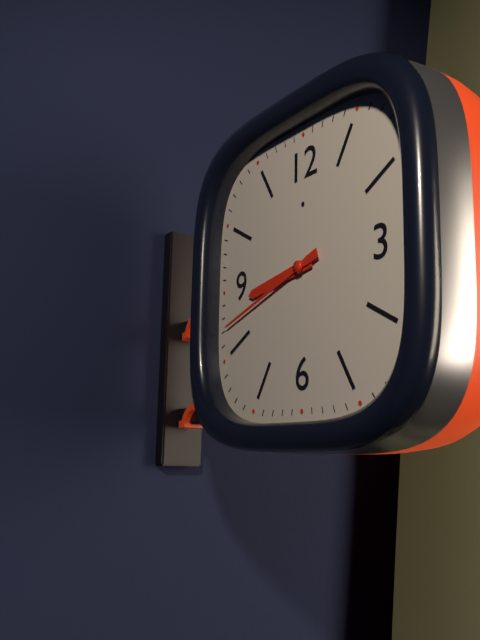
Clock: 8:42
